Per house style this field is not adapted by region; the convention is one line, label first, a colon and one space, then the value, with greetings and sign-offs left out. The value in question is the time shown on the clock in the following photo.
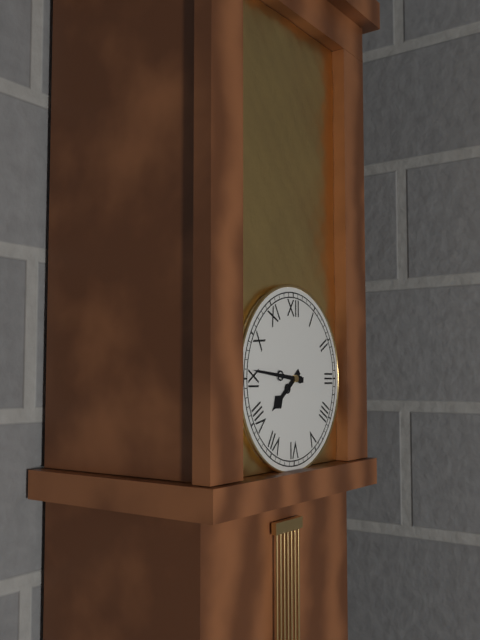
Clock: 7:46
